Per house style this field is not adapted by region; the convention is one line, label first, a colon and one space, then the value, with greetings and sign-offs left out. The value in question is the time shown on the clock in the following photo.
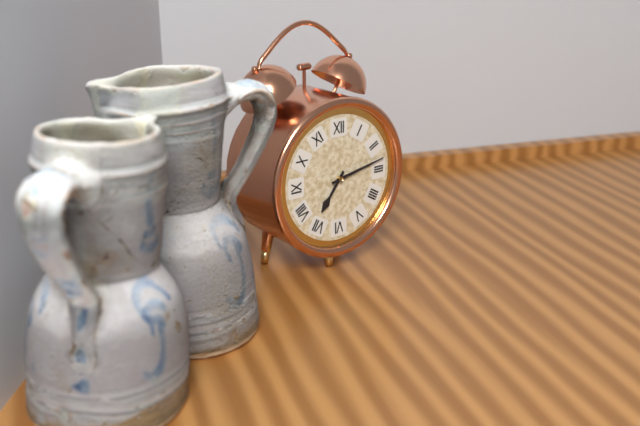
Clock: 7:13
